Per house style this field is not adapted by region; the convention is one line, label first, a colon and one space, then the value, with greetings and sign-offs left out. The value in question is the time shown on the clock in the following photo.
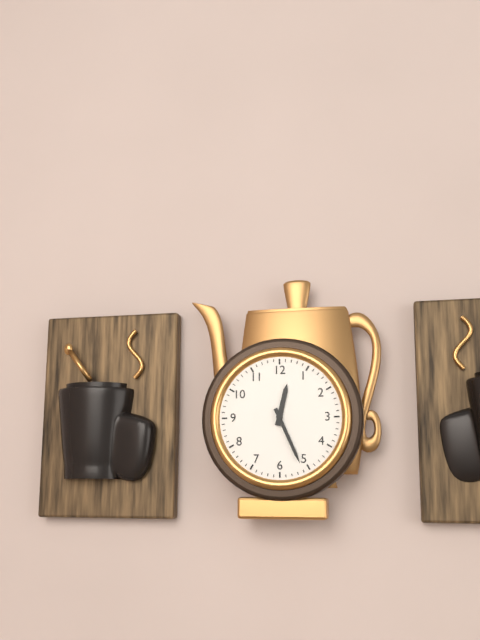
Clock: 12:26
